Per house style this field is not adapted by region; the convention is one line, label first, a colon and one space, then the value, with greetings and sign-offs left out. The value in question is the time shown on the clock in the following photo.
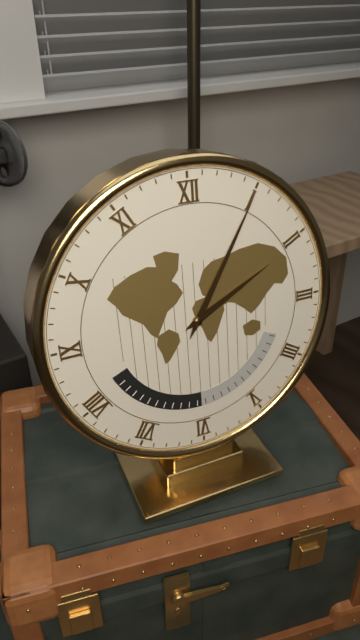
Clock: 2:05
